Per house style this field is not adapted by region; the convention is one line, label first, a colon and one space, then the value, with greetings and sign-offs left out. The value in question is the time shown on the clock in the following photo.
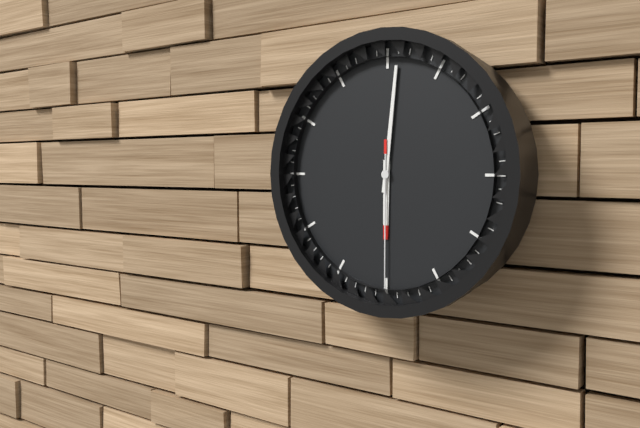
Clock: 6:01:30
